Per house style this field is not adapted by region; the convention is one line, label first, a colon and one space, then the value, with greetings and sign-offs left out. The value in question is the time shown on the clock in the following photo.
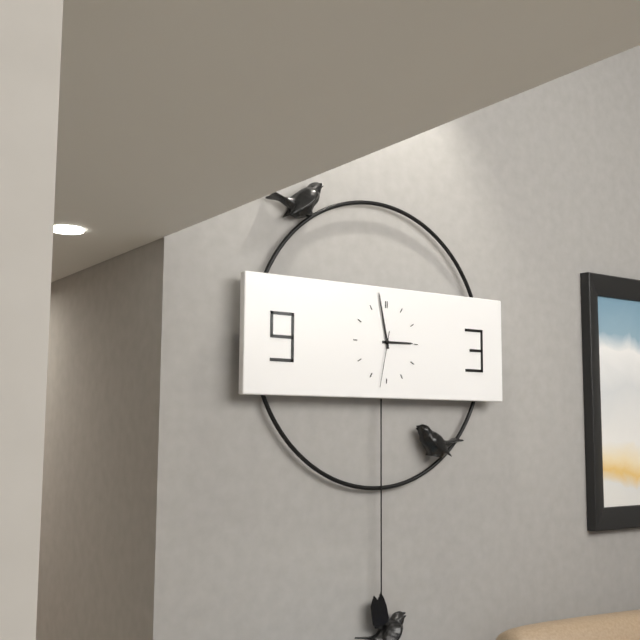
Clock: 2:58:32
